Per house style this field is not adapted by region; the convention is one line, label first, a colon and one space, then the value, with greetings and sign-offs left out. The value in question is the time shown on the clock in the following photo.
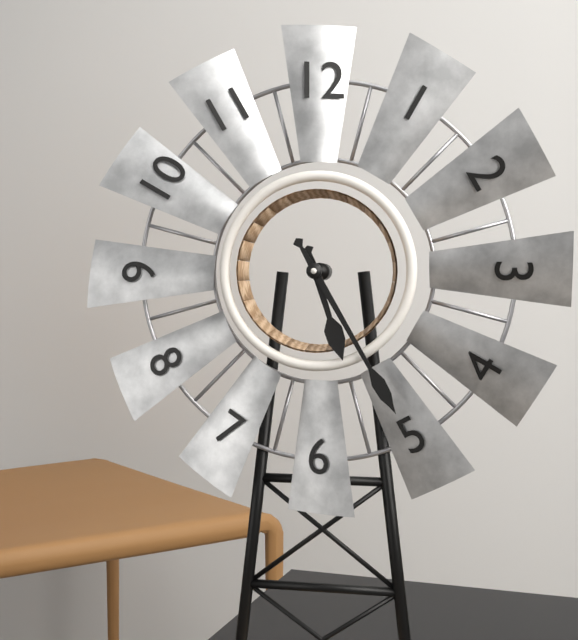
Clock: 5:25
